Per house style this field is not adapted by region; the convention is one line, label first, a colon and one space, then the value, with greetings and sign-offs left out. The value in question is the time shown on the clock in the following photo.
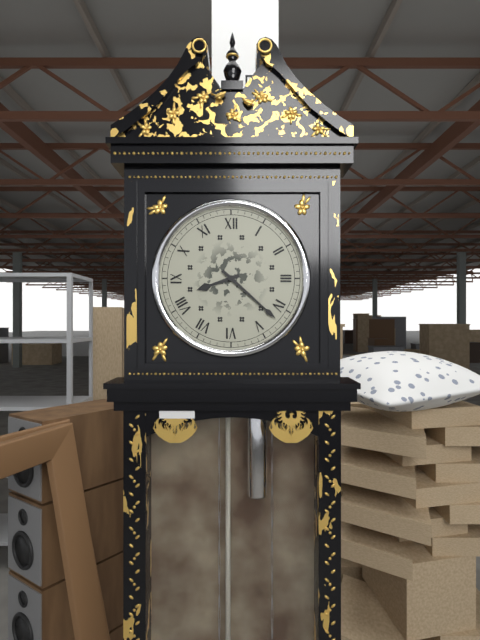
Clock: 8:22
